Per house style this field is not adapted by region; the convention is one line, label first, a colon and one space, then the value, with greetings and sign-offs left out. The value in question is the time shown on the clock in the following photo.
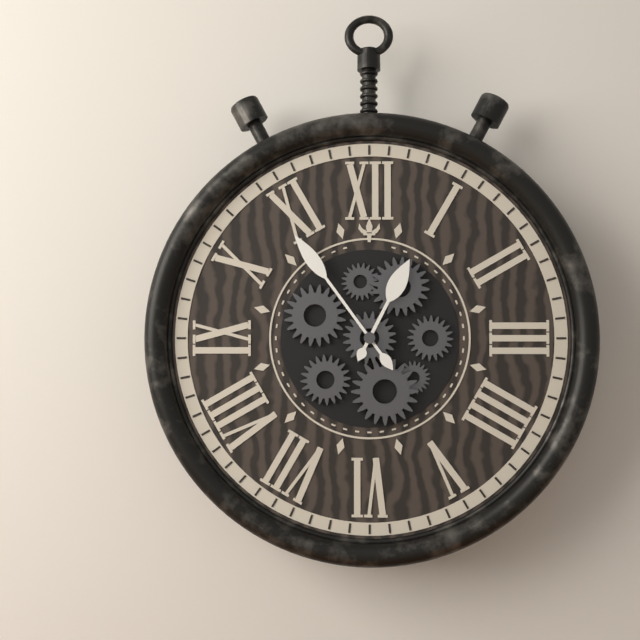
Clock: 12:54
